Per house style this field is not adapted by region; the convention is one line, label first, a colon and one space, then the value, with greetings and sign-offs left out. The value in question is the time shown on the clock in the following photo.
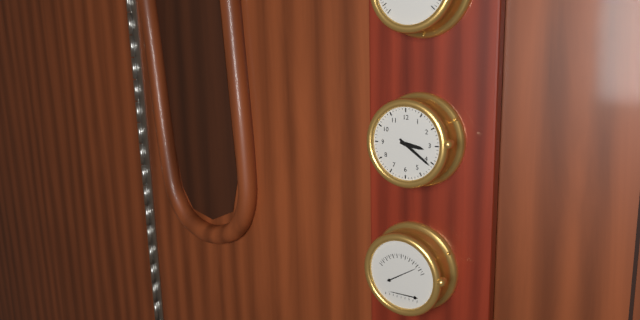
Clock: 3:21
